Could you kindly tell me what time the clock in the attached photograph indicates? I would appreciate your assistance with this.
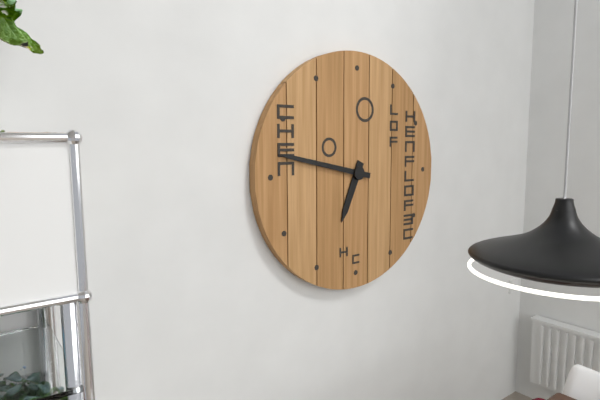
6:47
